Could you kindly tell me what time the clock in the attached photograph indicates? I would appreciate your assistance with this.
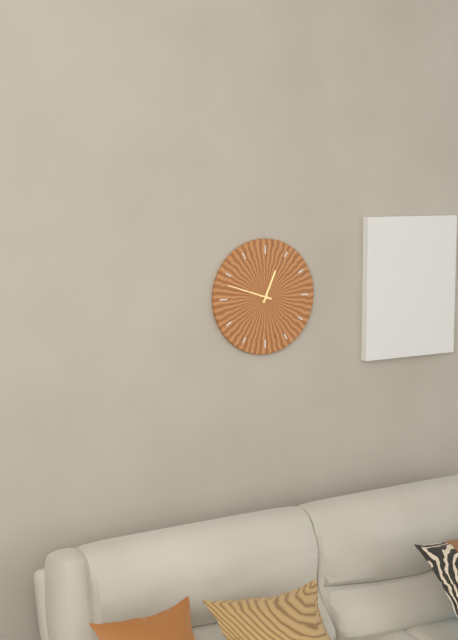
12:48
